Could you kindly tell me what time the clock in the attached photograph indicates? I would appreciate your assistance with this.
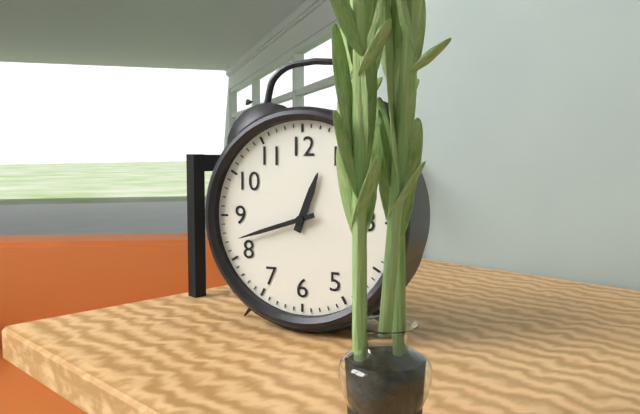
12:42
